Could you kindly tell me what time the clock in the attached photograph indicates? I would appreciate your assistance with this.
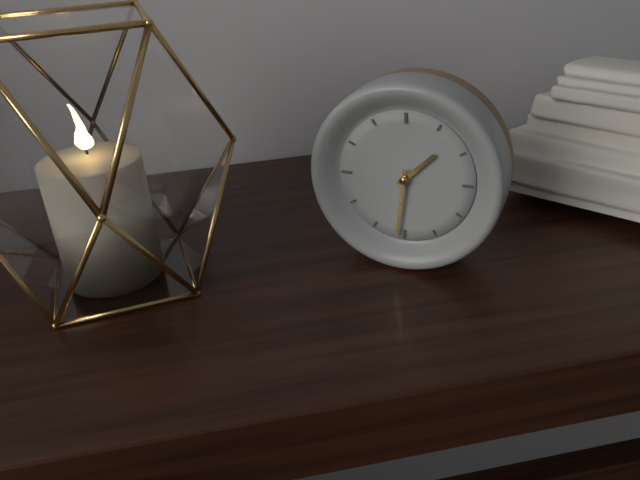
1:31
